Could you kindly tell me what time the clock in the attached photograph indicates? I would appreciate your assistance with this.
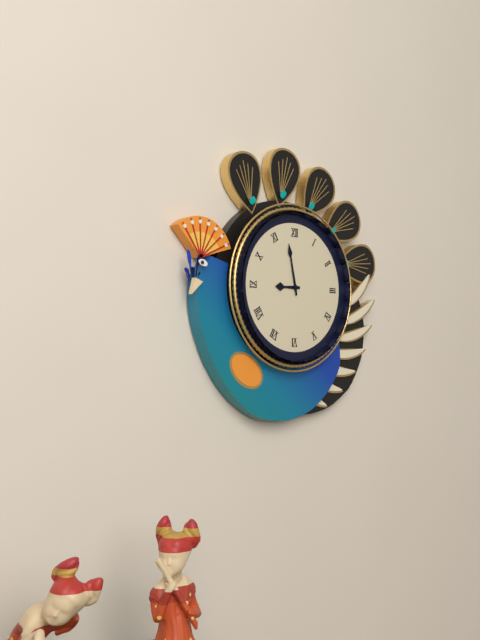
8:58
